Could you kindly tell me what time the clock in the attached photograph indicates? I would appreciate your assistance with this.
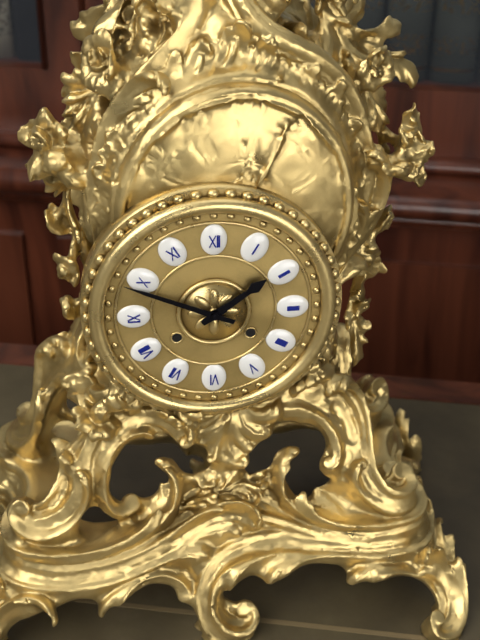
1:49
